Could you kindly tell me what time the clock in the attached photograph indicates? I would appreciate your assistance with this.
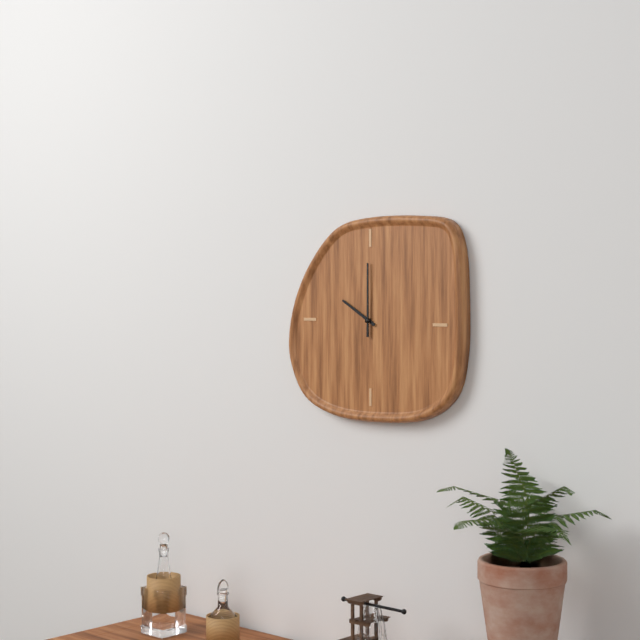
10:00
